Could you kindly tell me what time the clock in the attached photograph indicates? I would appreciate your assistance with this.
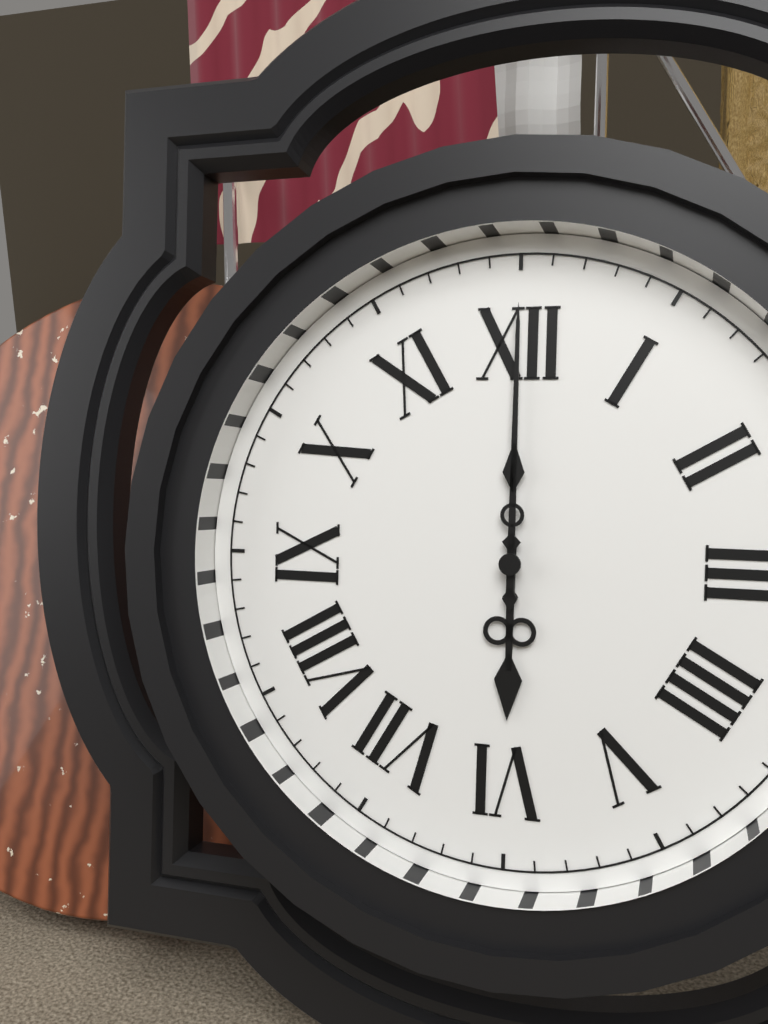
6:00
